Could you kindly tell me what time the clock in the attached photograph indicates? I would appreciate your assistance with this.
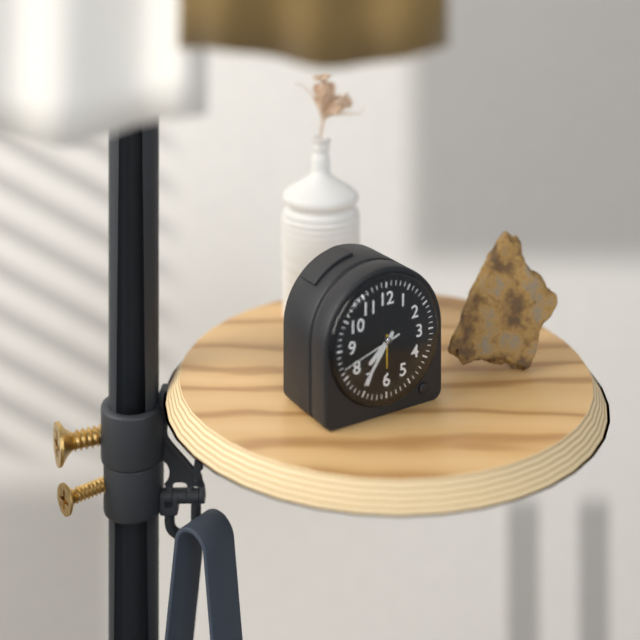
7:36:42
